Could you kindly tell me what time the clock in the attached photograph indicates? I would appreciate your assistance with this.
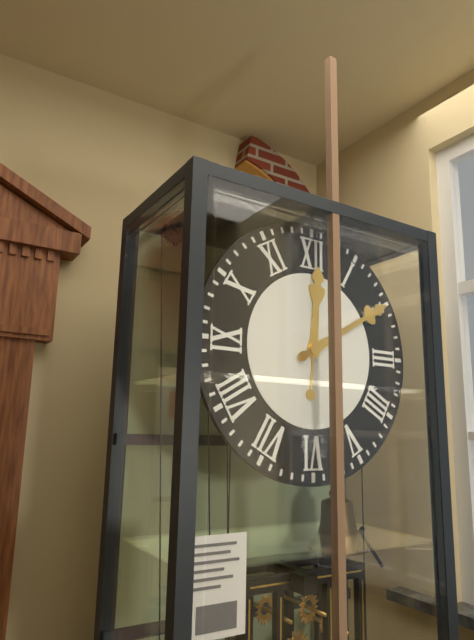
12:10
